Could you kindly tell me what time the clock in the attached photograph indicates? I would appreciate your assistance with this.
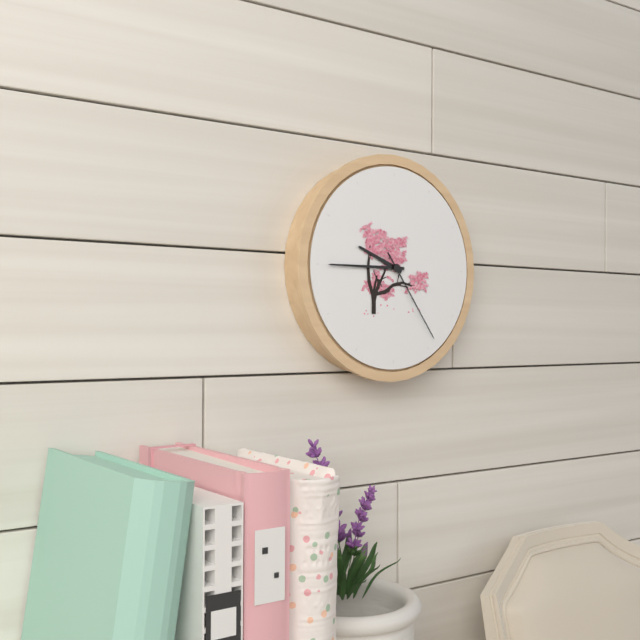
9:45:24
